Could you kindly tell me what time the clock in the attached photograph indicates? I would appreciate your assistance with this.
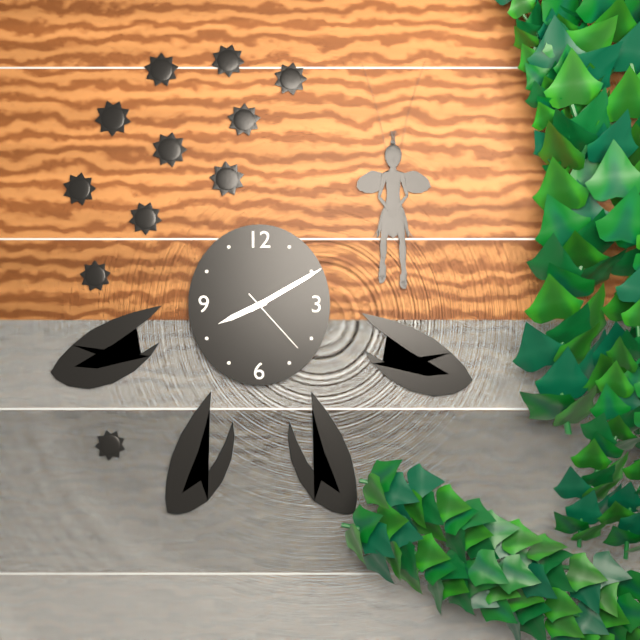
8:10:23
